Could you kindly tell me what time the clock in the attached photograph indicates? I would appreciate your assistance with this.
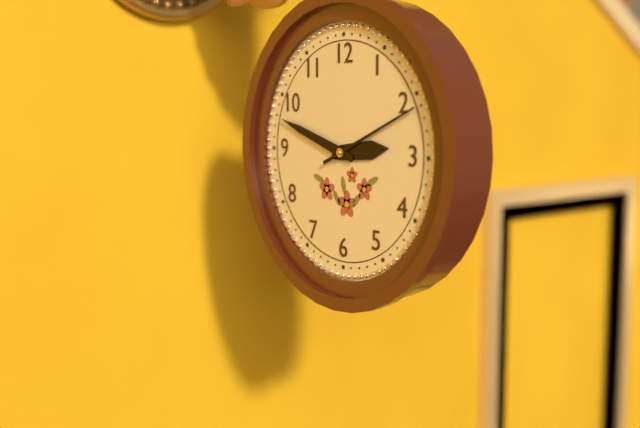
2:48:11
